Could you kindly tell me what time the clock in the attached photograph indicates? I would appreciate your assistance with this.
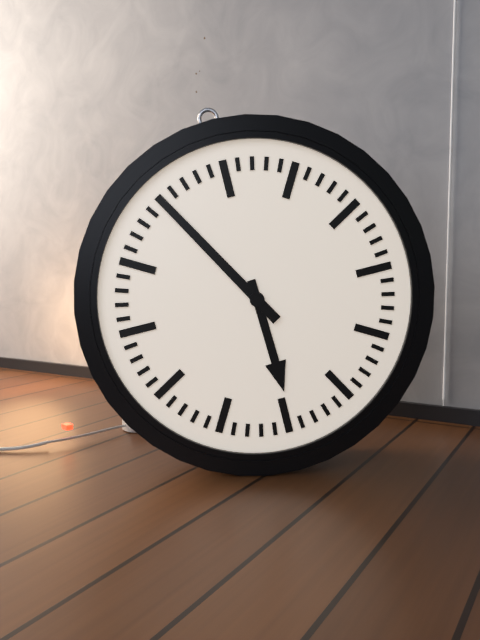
5:55
